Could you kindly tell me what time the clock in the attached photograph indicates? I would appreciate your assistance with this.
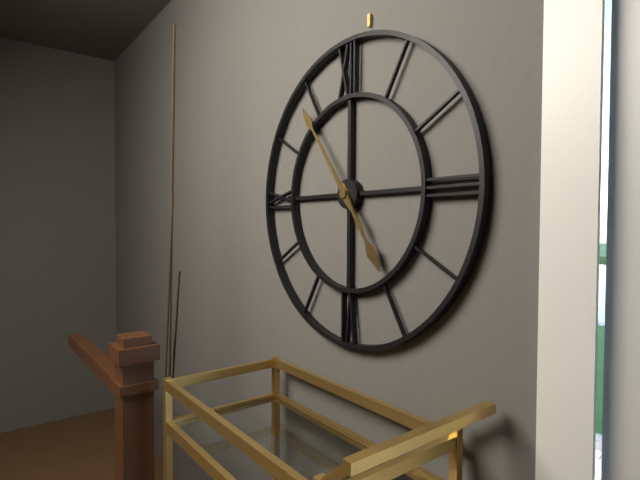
4:54
